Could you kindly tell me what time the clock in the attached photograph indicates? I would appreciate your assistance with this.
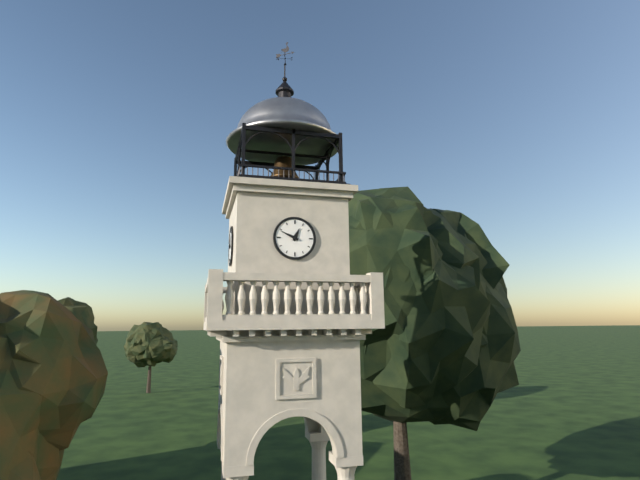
12:49
